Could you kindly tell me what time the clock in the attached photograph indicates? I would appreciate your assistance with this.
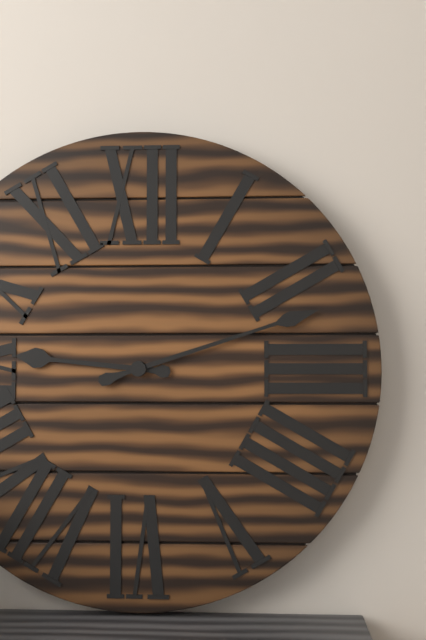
9:12
